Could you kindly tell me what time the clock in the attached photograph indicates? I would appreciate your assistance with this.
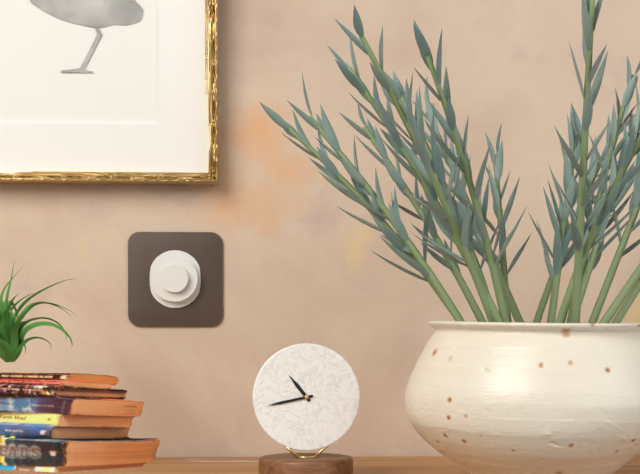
10:43
